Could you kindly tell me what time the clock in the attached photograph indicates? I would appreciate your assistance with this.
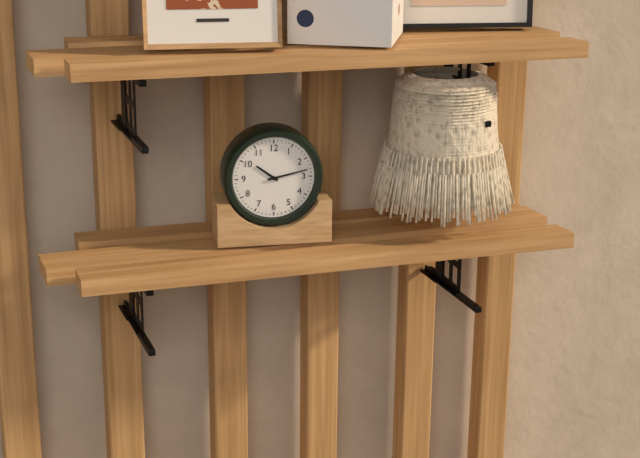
10:13
